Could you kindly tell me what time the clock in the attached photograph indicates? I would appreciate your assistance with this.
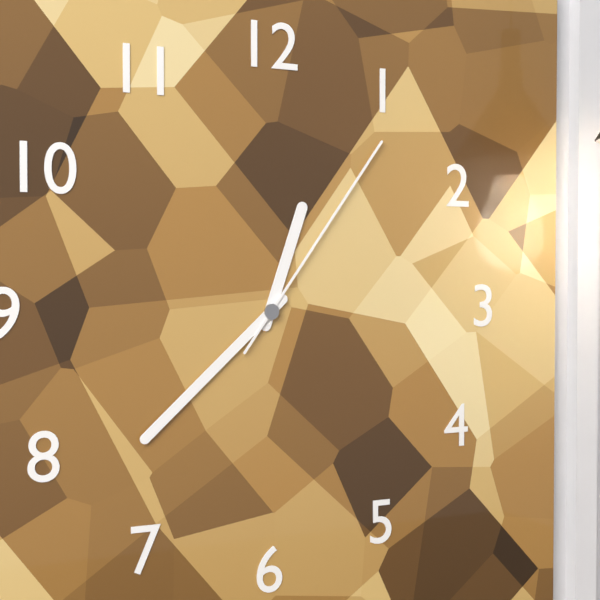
12:38:06
